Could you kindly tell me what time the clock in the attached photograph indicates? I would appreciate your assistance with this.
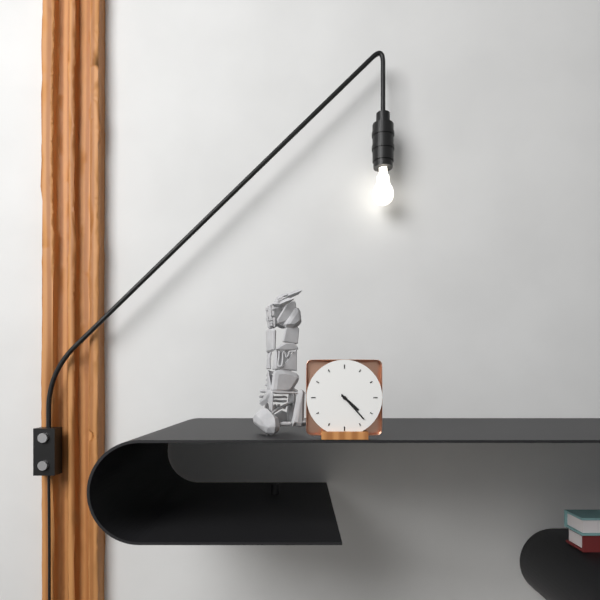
4:23
